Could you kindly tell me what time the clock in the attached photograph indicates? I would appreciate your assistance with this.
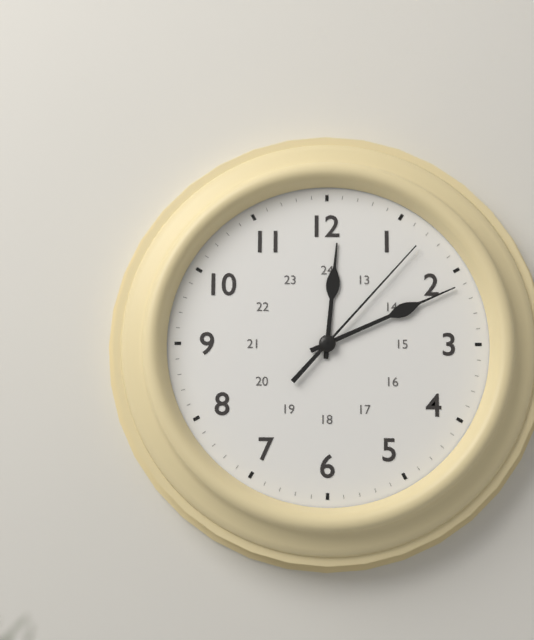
12:11:07
